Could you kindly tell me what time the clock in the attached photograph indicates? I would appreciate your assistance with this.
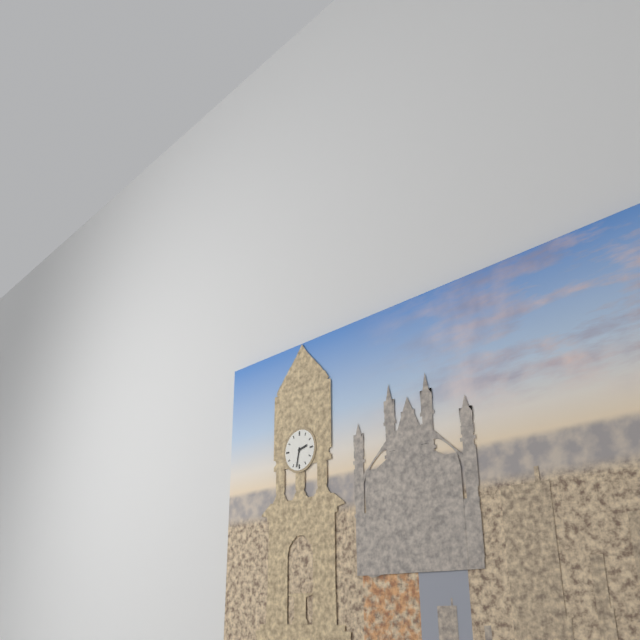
2:32
